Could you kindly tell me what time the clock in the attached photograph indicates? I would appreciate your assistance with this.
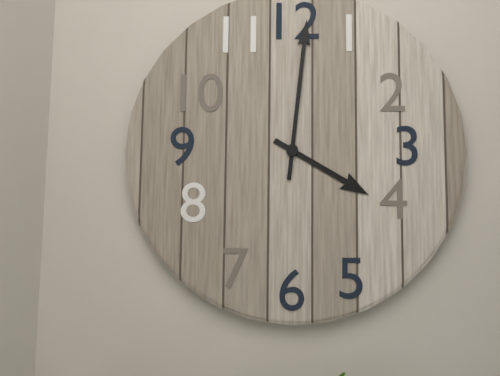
4:01
